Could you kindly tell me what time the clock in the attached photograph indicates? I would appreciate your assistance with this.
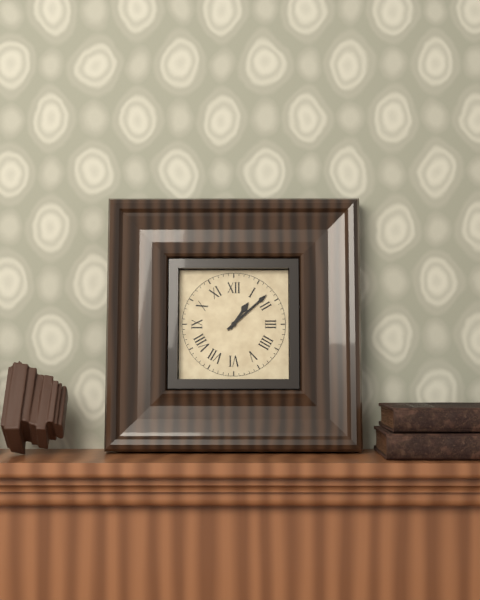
1:08
